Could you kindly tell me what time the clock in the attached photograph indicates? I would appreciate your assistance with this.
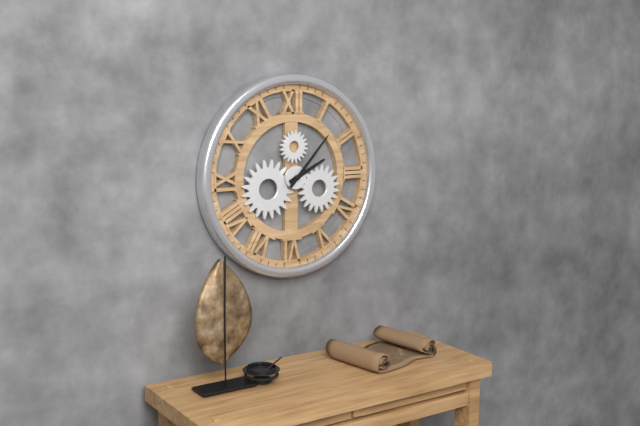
2:07
